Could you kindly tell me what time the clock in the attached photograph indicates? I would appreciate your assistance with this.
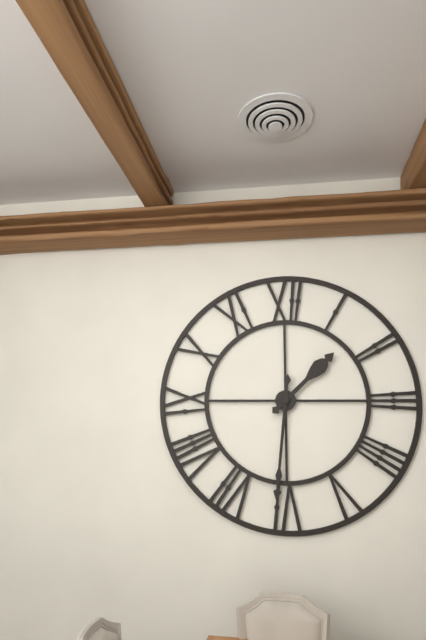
1:31
